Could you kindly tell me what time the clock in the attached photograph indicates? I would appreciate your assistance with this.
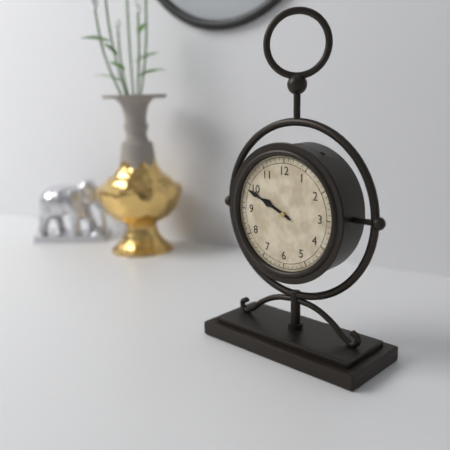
9:49
